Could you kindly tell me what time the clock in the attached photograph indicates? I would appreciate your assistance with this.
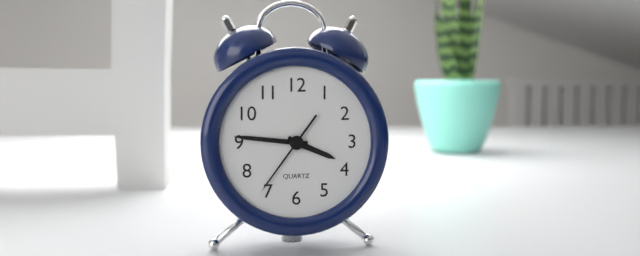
3:46:36
